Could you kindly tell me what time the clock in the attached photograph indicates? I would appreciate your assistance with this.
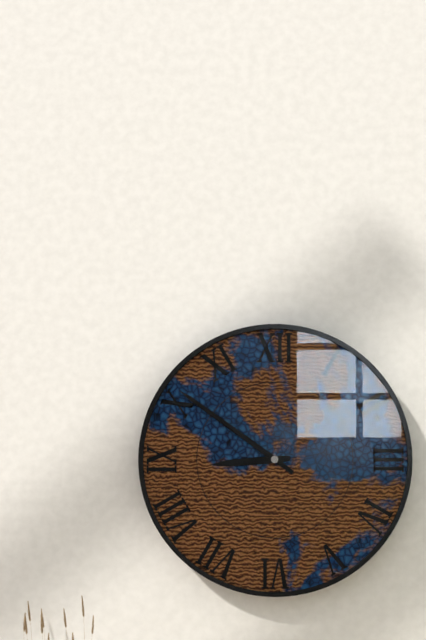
8:51
